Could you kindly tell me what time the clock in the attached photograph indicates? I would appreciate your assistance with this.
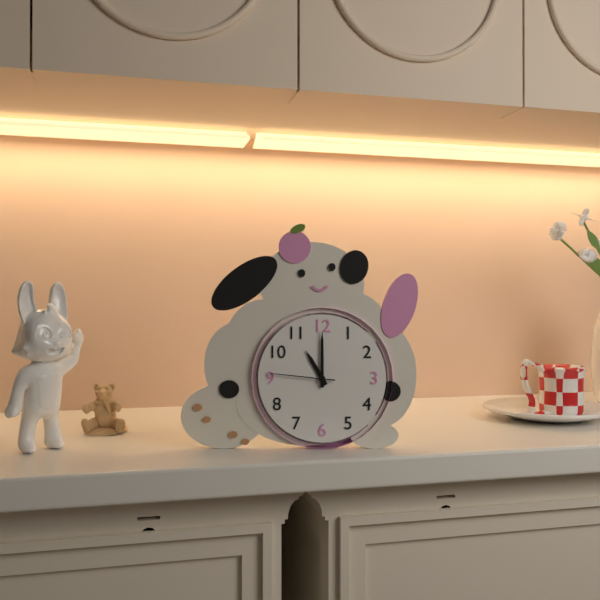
11:00:46
